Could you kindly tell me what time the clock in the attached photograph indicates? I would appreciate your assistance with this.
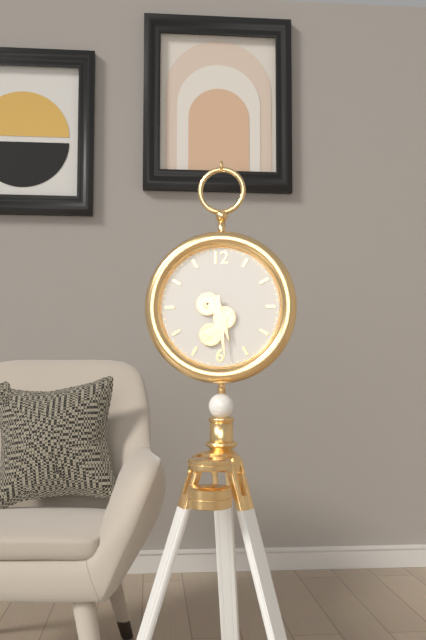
5:29
